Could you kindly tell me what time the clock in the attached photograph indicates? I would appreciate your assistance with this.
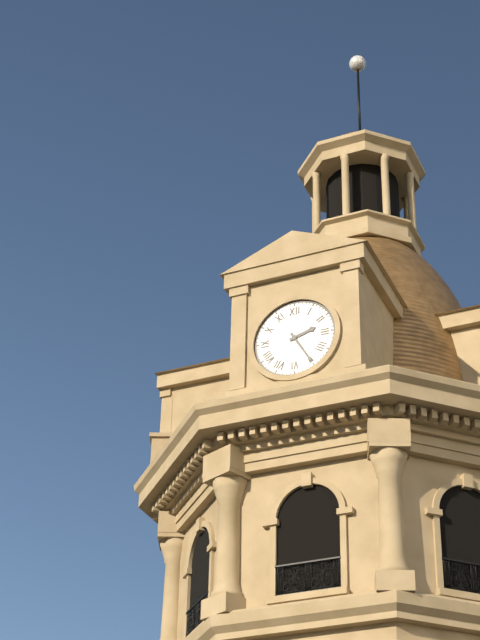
2:25
